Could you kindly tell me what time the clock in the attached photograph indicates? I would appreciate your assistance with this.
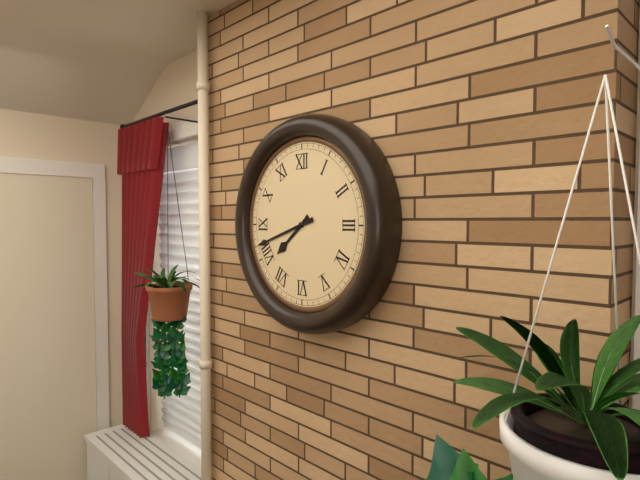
7:42
